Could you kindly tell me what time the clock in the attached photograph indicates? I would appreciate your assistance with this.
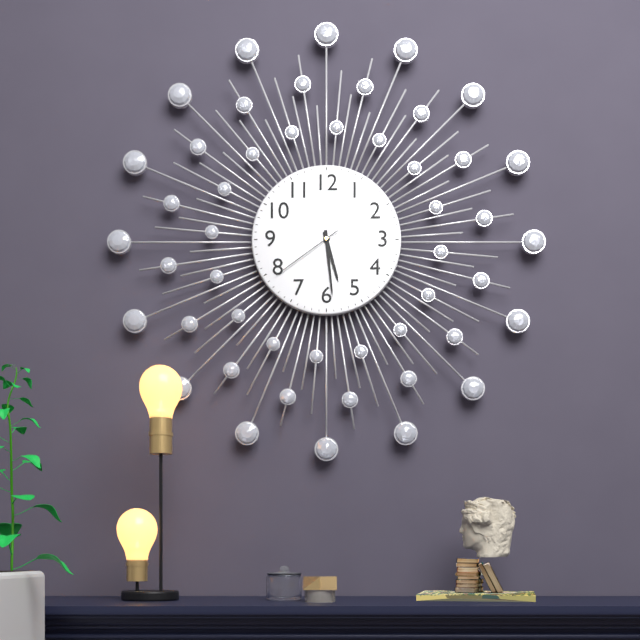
5:29:39
